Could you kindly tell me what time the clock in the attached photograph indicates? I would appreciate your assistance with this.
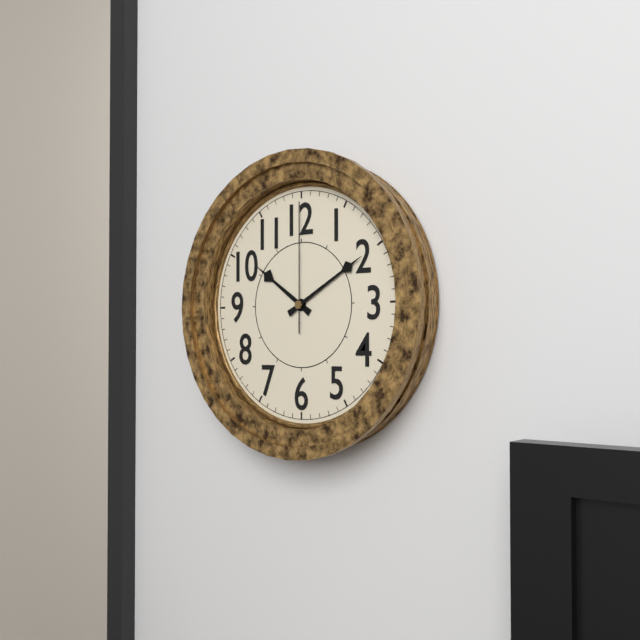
10:10:00
